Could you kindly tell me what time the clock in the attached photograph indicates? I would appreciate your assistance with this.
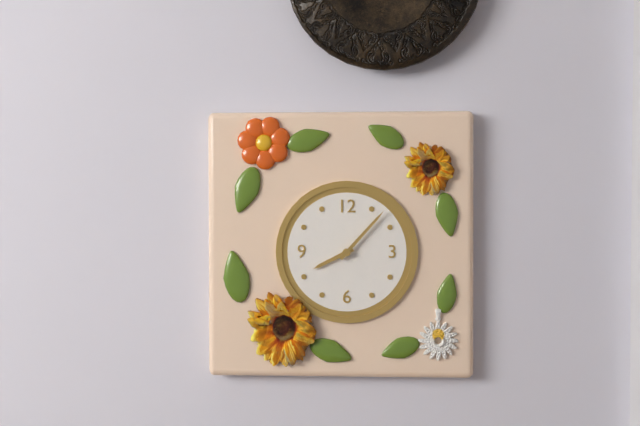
8:07
